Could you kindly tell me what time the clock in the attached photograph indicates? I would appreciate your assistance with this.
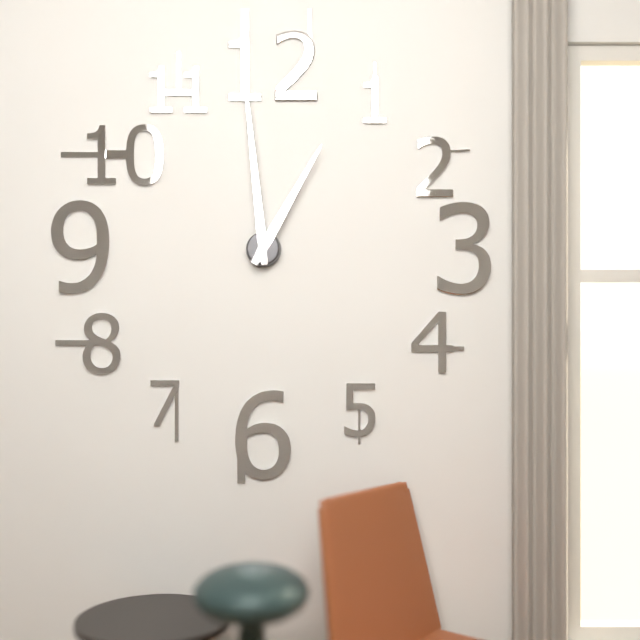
12:59
